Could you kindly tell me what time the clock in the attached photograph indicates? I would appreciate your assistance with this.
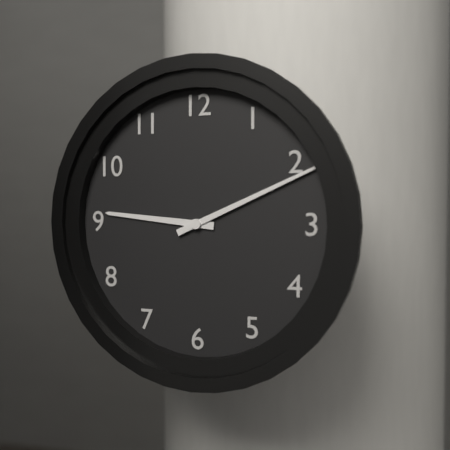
9:11
